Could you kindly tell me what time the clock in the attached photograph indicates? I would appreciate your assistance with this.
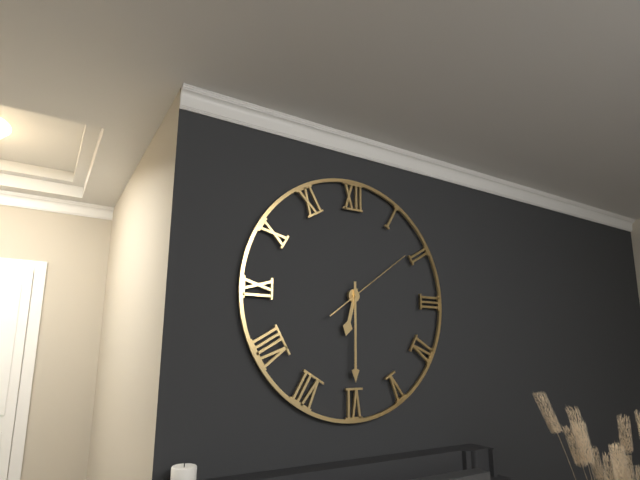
6:30:09
